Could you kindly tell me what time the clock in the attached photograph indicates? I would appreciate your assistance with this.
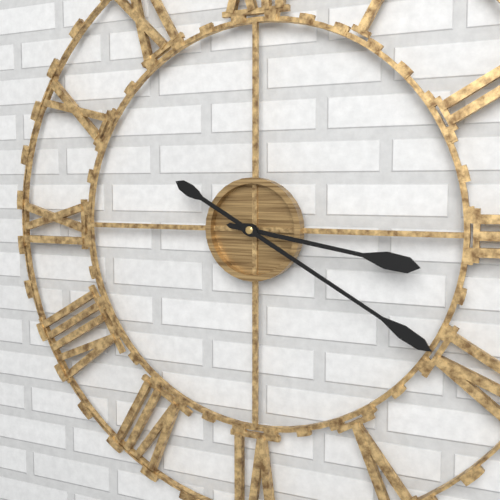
3:20
